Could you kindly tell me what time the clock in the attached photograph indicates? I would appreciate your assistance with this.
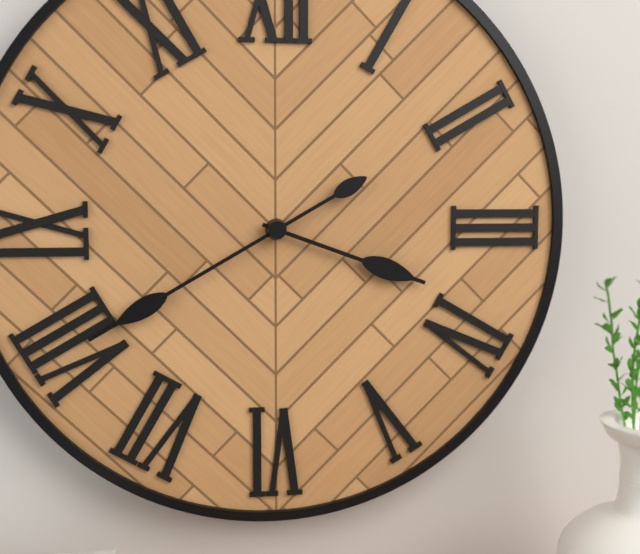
3:40
